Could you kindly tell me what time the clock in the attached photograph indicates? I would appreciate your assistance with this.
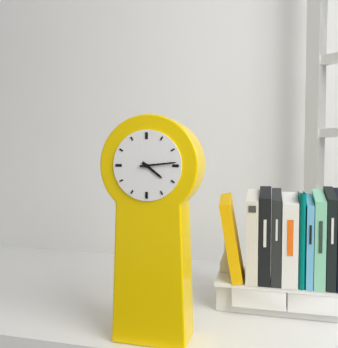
4:14
